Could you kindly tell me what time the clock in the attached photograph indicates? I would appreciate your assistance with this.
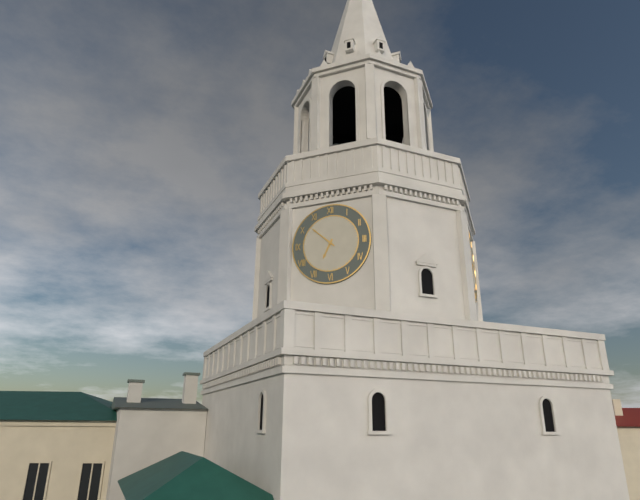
6:52
